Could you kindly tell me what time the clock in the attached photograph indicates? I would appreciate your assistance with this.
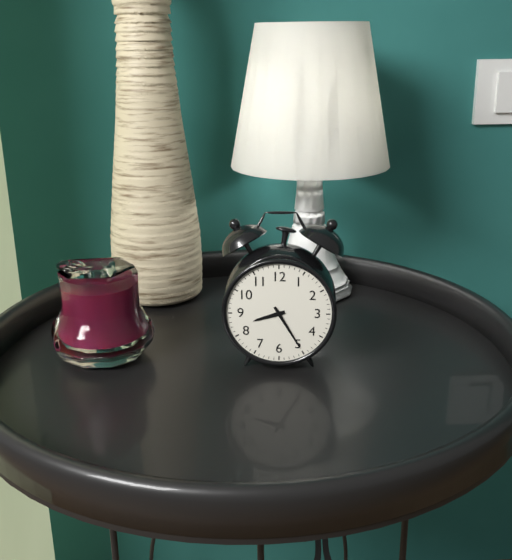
8:25
